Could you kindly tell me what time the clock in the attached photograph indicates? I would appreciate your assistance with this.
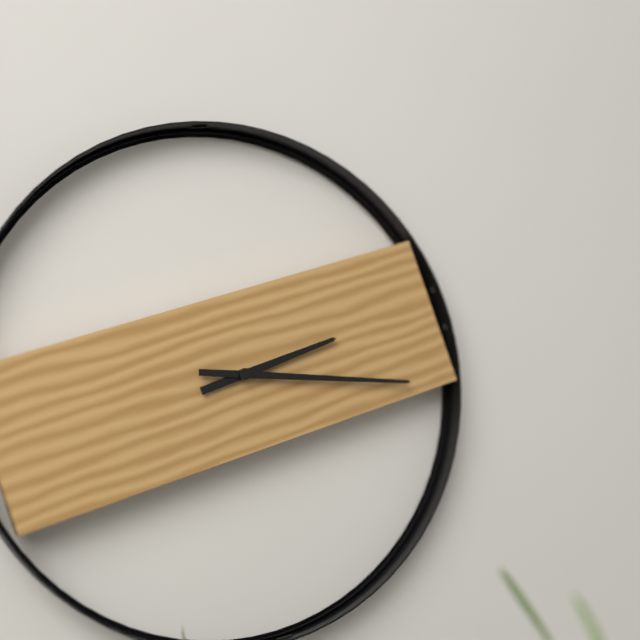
2:15
